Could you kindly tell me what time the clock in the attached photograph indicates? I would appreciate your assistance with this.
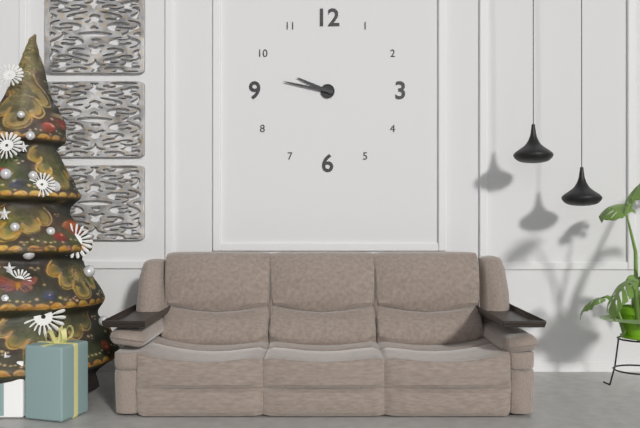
9:47
